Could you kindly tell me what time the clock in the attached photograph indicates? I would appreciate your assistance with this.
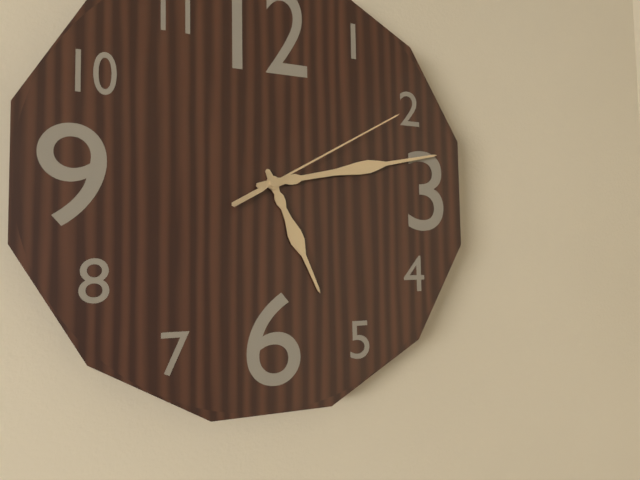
5:13:10
